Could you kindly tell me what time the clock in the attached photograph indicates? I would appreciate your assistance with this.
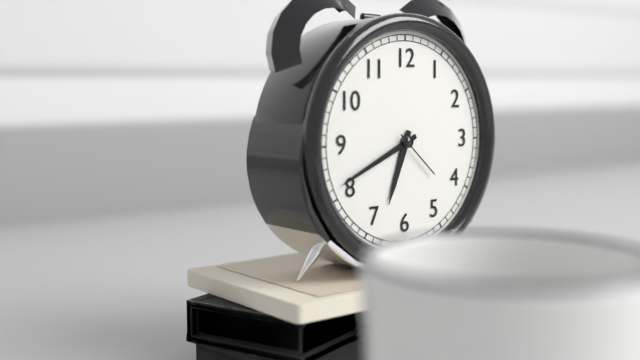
6:41:22
